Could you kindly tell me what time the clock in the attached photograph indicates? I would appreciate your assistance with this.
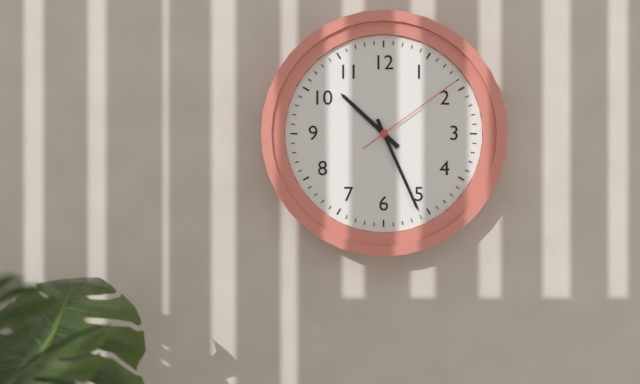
10:26:09
